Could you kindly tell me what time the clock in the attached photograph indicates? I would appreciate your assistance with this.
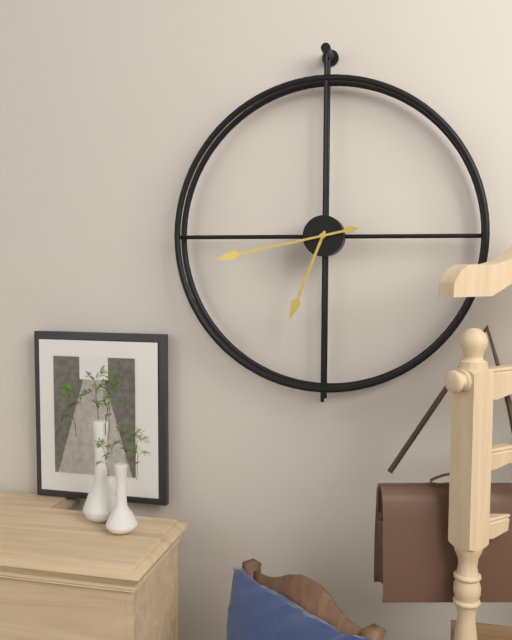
6:43
